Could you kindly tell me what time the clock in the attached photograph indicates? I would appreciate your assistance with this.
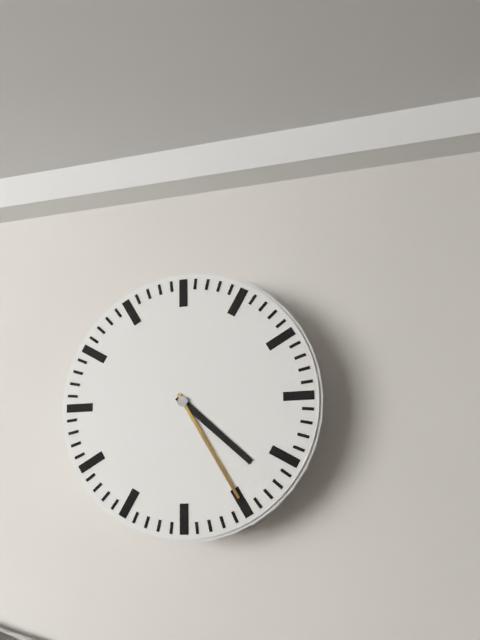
4:25
